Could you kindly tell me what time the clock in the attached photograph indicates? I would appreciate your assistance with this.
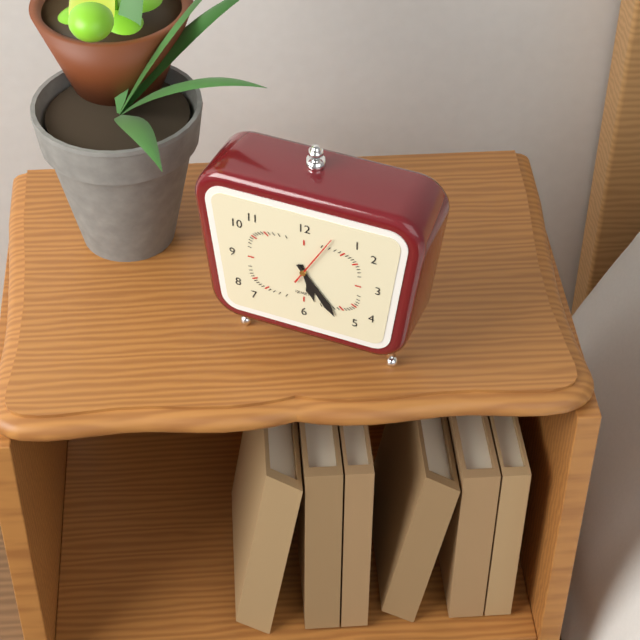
5:24:05
